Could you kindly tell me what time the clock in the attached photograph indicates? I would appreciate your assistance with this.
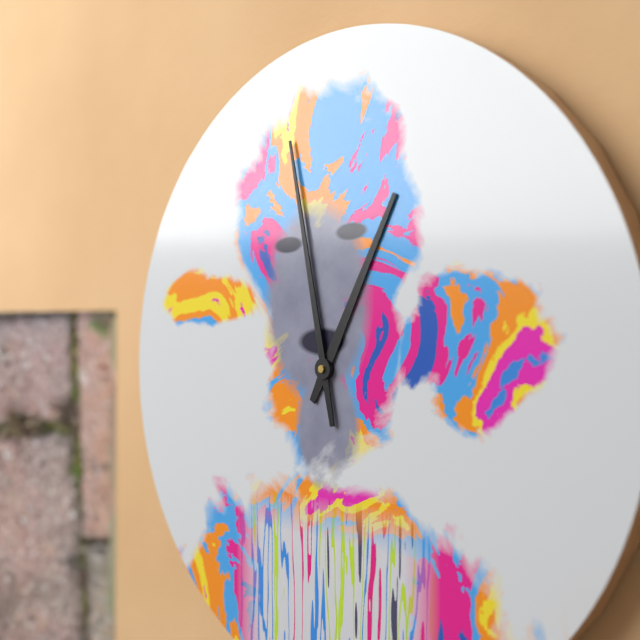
12:58
